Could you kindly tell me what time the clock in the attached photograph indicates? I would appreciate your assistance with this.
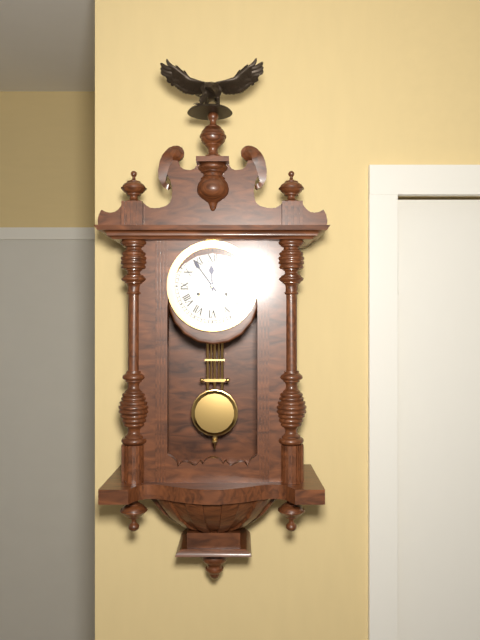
11:54
